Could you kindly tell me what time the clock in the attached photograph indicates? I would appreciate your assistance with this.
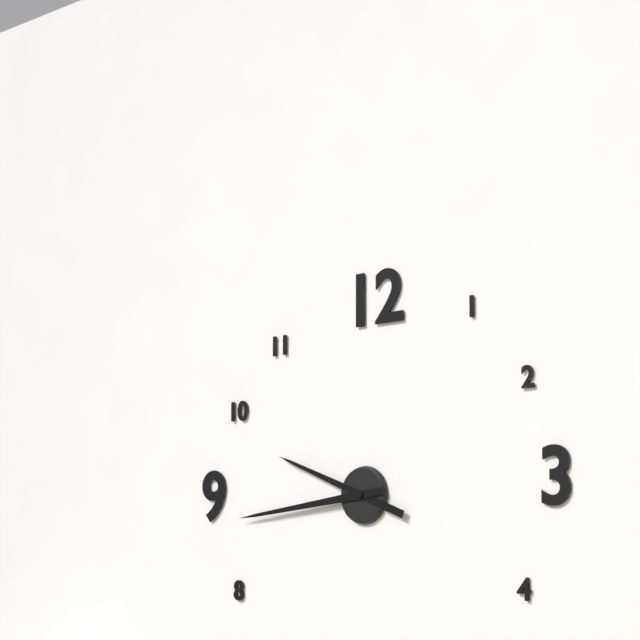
9:44
